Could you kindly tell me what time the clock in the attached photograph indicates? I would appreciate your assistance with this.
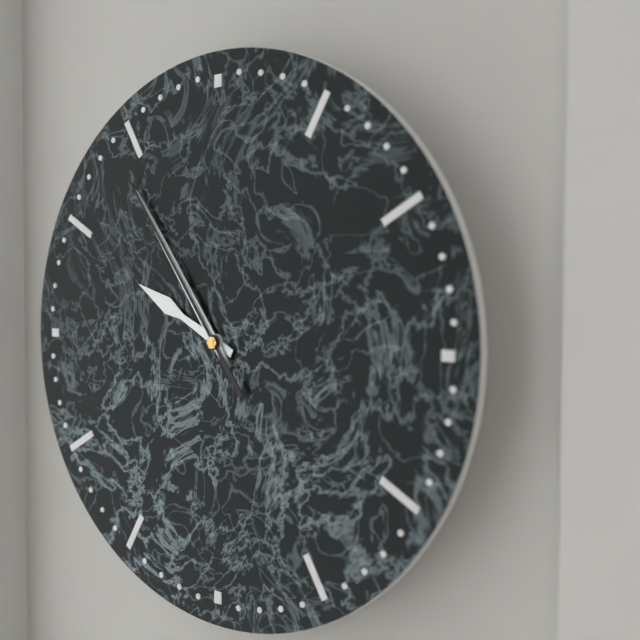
9:54:54
